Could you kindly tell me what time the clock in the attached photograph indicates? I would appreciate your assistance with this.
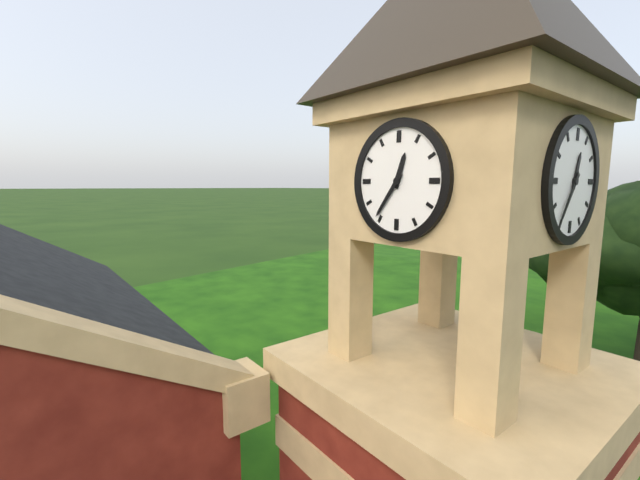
12:36
